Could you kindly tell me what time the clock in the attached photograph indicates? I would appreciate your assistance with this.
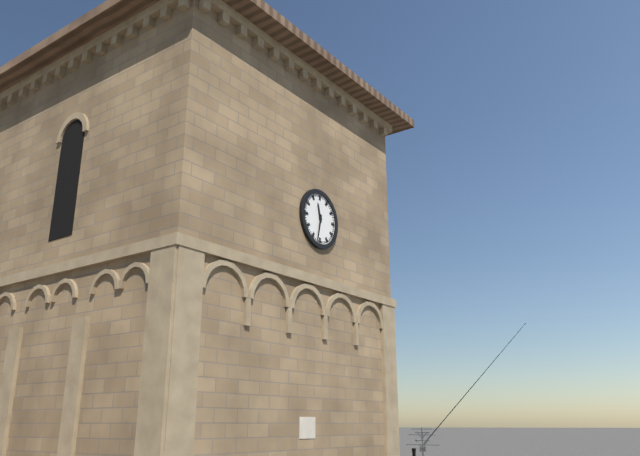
11:32
